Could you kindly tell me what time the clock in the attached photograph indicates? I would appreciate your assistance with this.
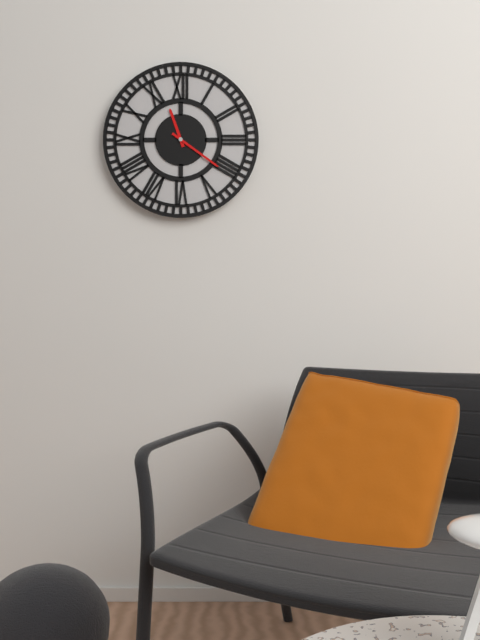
11:21
